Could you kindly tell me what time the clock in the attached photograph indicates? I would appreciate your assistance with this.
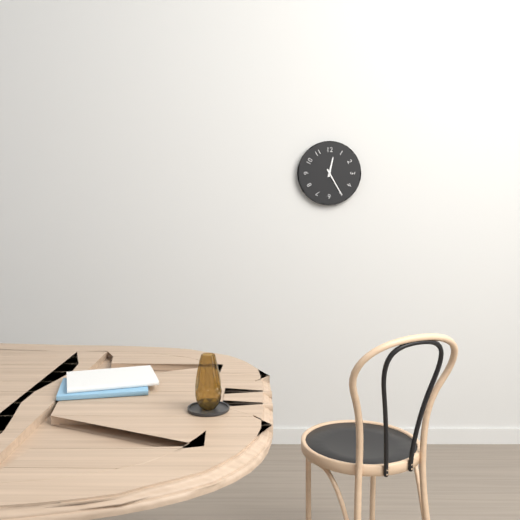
12:25
